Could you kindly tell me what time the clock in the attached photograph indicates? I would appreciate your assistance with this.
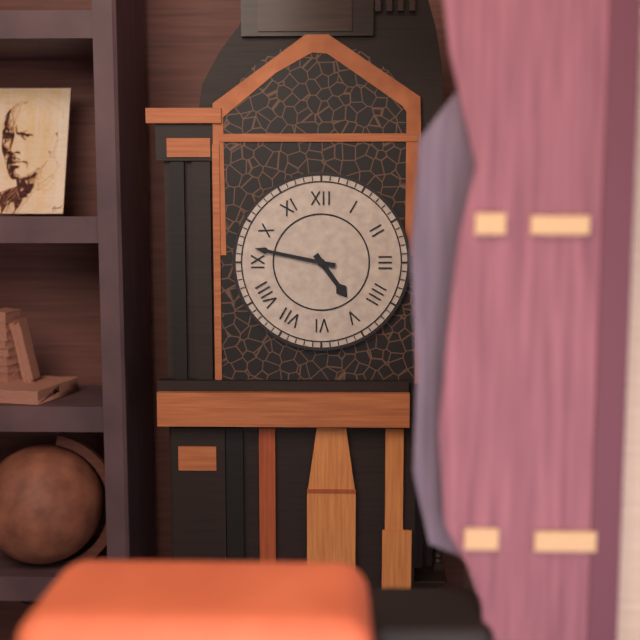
4:47
